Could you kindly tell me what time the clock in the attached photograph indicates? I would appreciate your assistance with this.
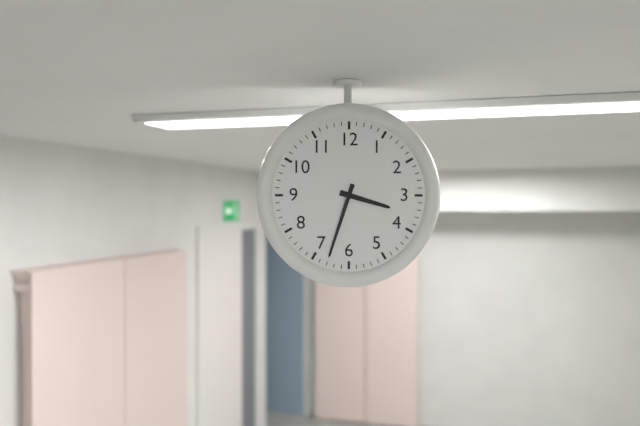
3:33
